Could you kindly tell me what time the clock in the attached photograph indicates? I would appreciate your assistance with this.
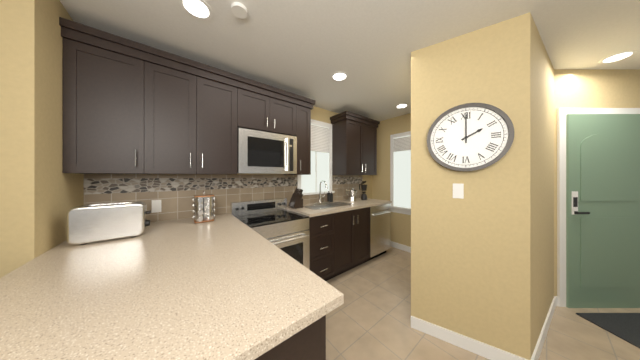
2:00
